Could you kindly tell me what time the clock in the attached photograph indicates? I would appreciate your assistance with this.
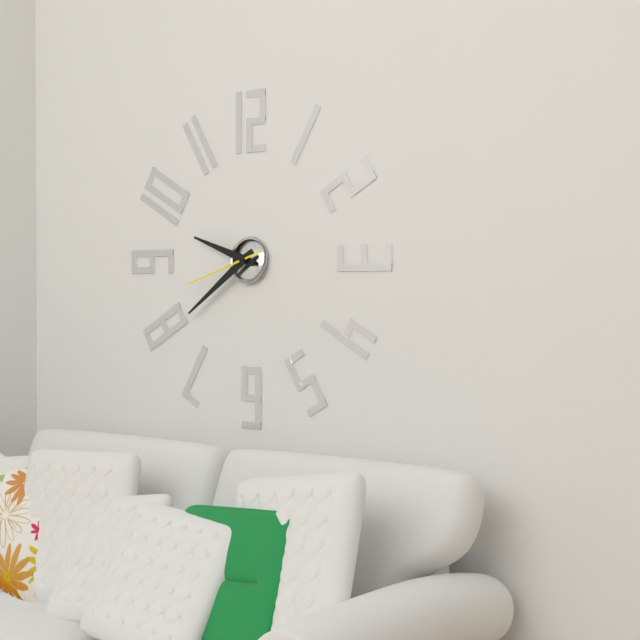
9:39:42
